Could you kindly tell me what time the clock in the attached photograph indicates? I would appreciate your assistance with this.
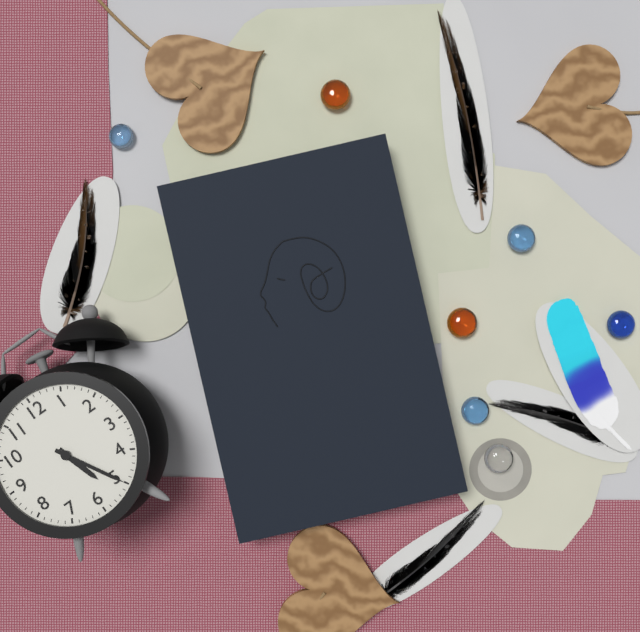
5:25
